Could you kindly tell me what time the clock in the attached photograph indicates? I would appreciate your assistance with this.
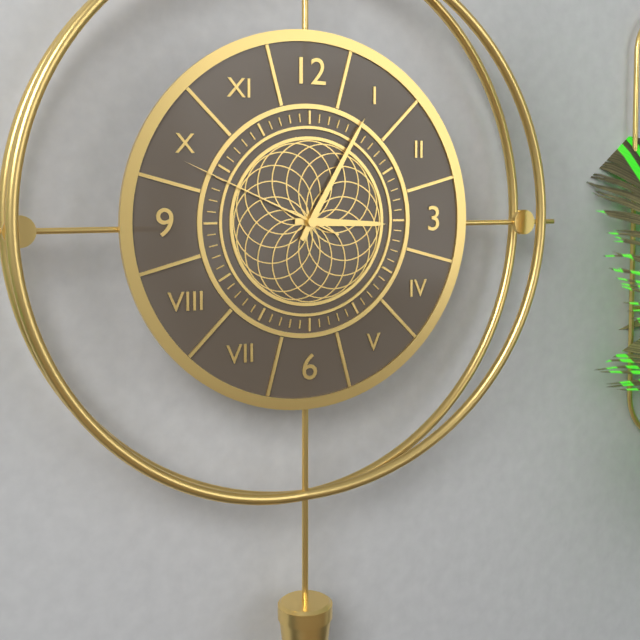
3:05:49
